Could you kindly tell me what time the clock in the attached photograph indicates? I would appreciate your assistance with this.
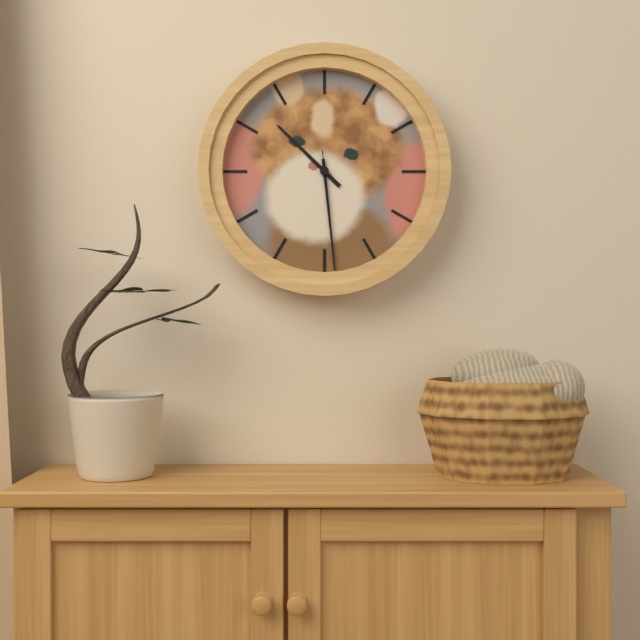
10:29:29
